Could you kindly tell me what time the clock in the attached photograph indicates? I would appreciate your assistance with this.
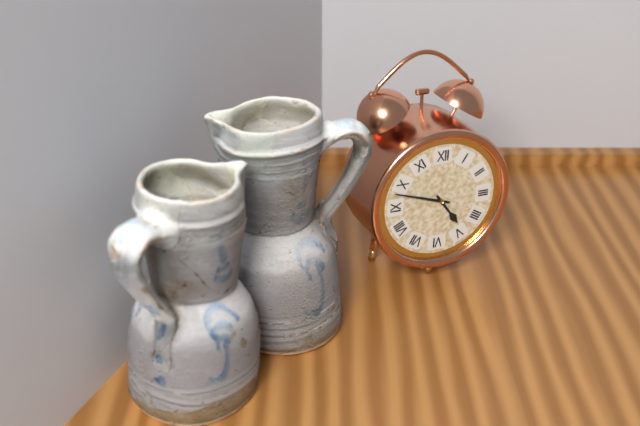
4:48
